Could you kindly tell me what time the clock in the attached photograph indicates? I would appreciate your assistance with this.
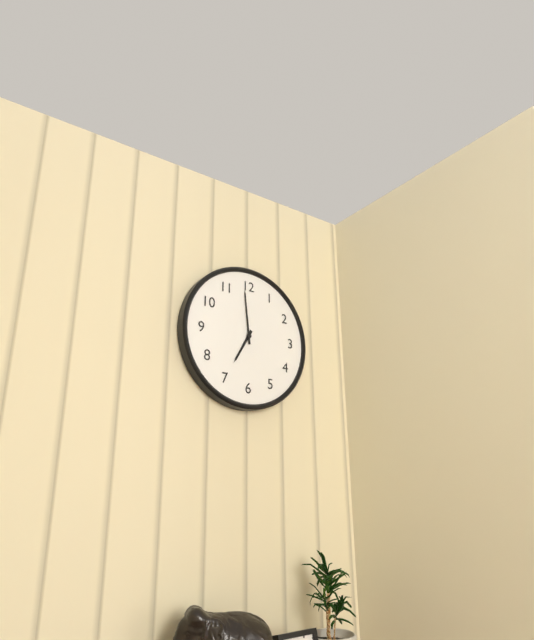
6:59
